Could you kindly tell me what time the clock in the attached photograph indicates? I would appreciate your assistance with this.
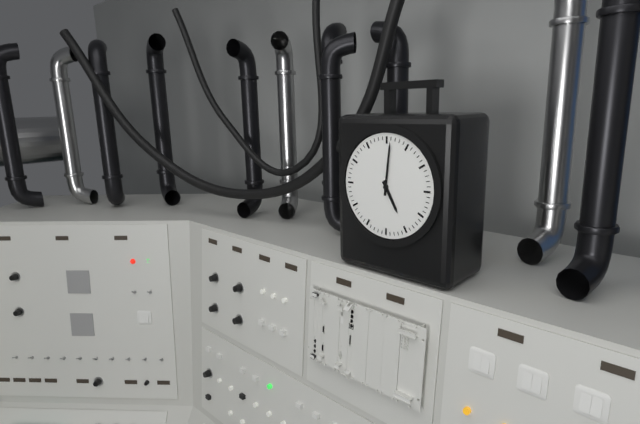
5:01
